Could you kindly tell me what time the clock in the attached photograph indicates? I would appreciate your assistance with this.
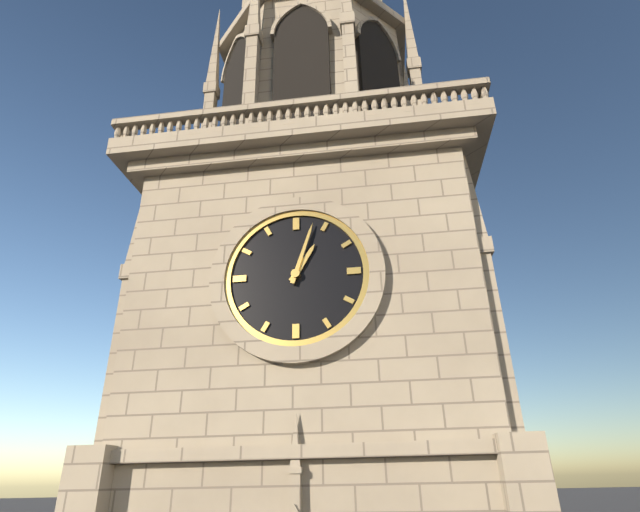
1:03
